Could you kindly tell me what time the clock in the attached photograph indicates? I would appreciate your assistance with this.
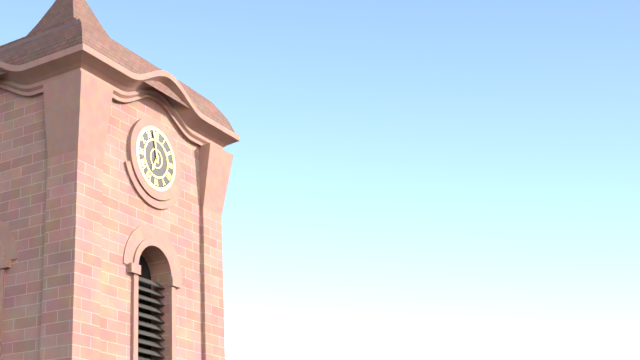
6:58
